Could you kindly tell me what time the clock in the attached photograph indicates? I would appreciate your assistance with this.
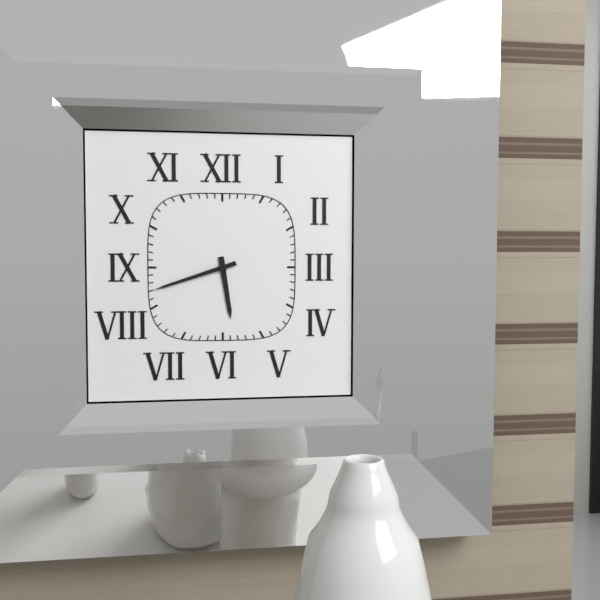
5:42
